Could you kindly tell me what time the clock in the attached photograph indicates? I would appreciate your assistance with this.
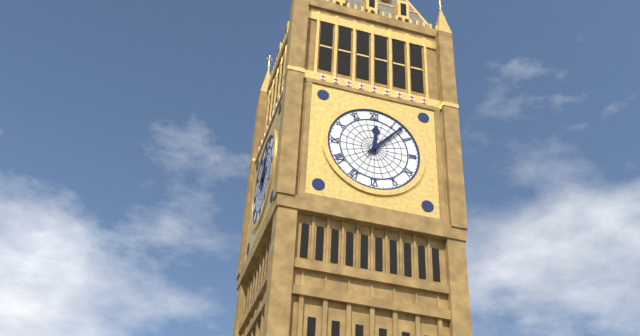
12:07
